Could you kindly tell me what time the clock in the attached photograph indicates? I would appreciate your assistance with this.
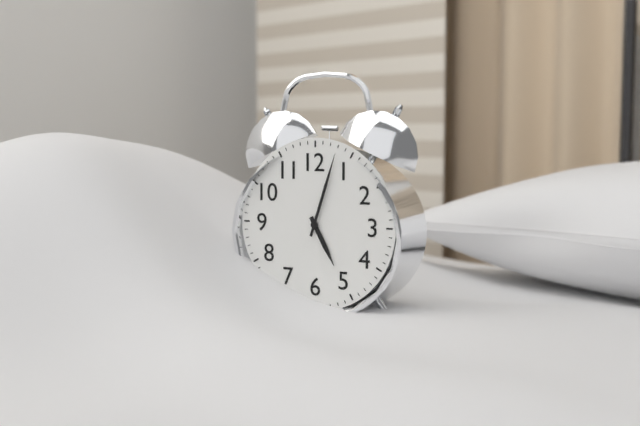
5:03
